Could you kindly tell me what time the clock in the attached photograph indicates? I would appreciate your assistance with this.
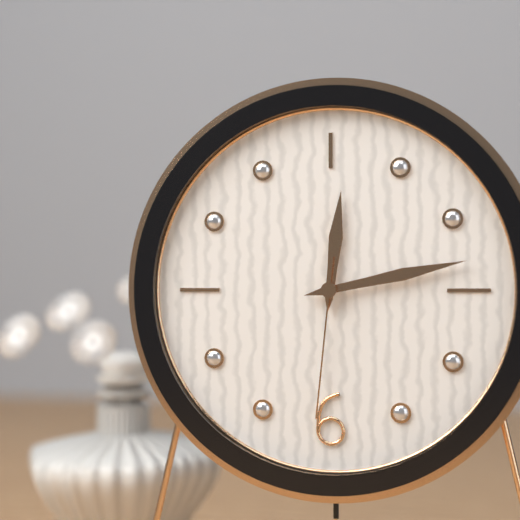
12:13:31
